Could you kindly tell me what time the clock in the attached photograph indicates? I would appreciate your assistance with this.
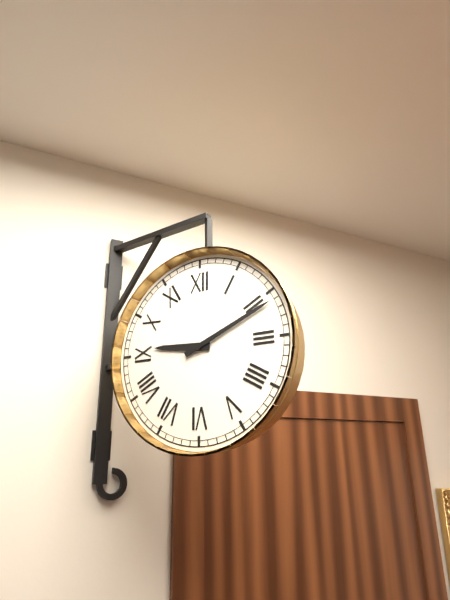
9:11
